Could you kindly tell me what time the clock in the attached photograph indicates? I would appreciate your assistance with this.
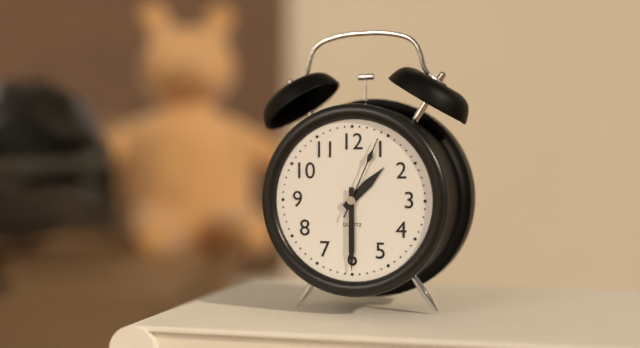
1:30:04
